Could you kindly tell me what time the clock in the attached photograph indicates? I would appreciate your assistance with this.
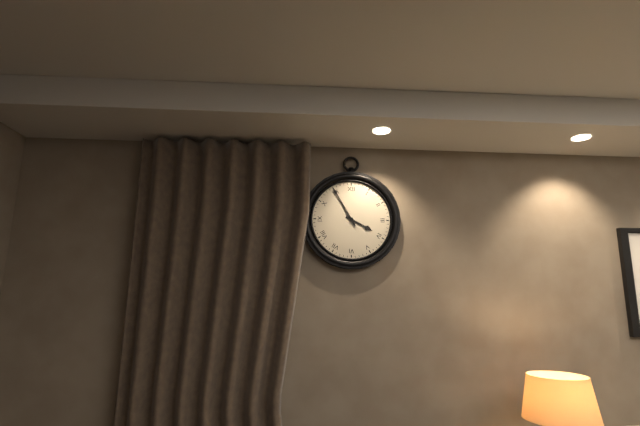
3:55
